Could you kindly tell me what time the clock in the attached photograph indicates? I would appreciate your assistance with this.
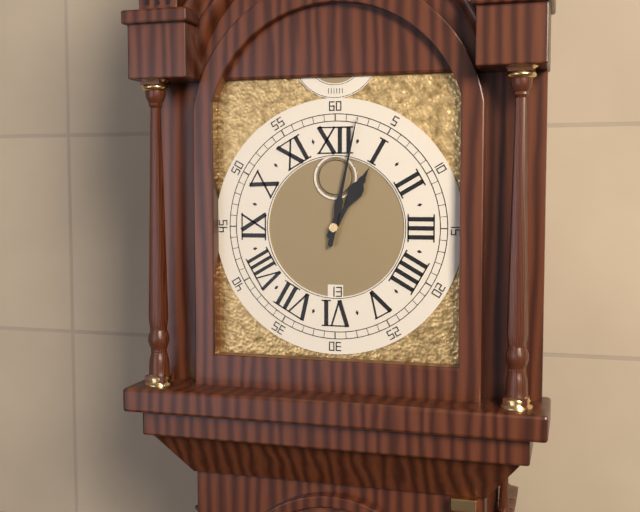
1:02
